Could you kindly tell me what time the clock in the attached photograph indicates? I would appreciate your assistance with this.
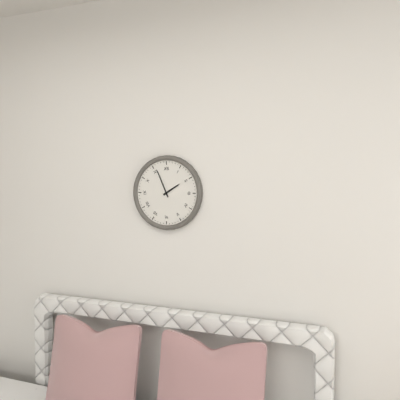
1:56
